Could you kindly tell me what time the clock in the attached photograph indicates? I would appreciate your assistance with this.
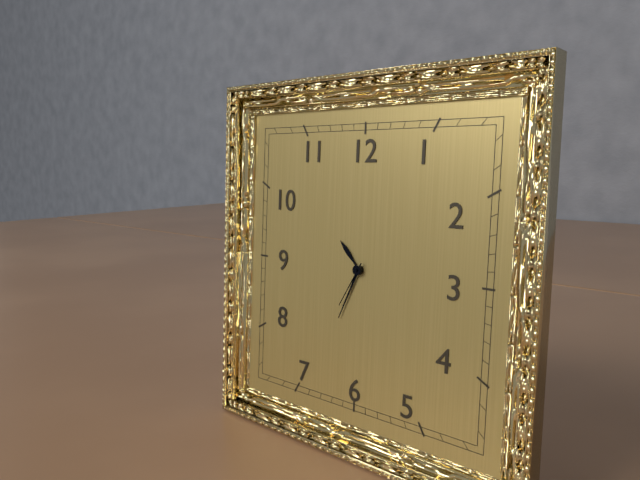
10:34
